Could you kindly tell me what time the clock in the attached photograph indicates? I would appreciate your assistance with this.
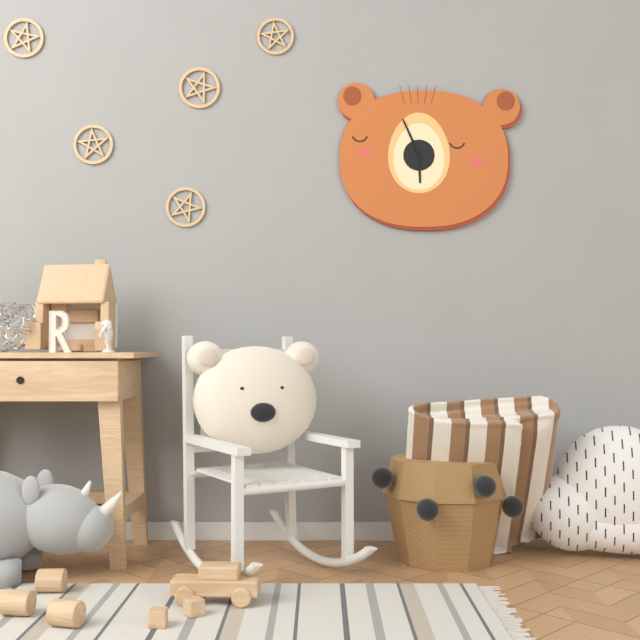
5:56
